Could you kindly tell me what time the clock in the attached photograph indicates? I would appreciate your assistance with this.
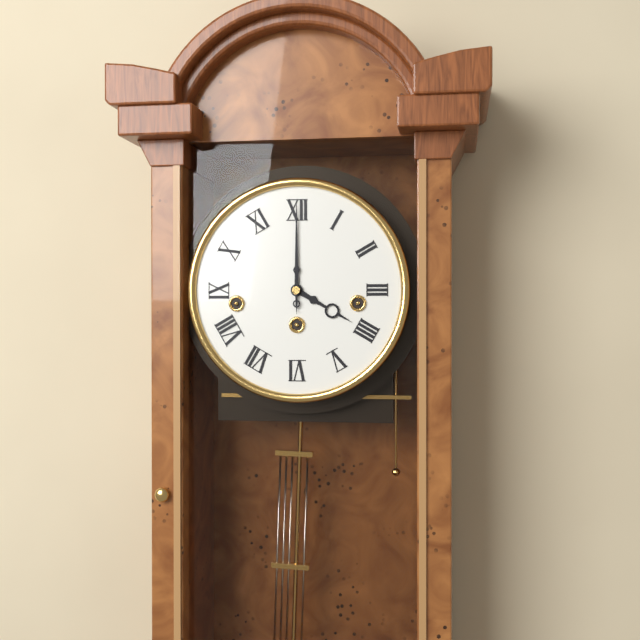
4:00
